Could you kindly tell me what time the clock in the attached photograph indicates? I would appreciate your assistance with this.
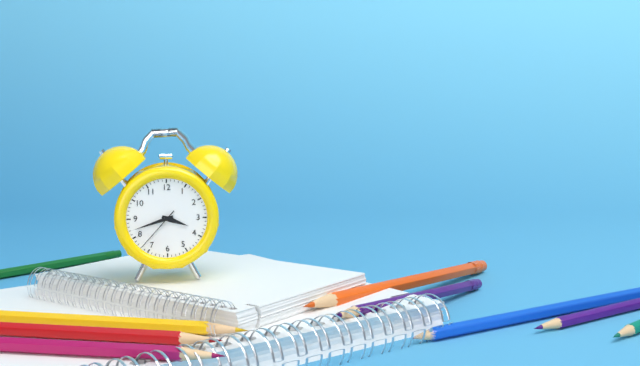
3:42
